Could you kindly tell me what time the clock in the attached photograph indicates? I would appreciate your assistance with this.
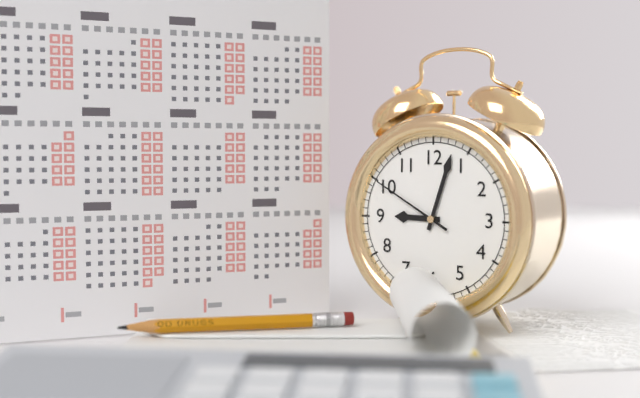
9:03:50
